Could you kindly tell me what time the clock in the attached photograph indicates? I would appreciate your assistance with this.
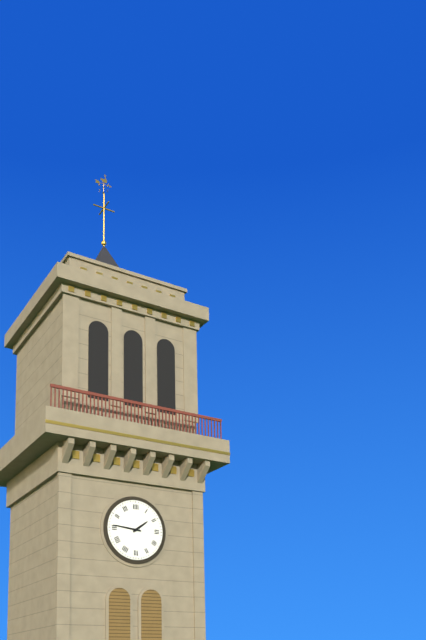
1:46
